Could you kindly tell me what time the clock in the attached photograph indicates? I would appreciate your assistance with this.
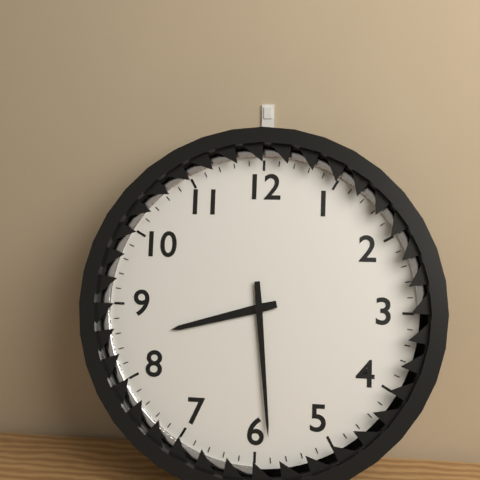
8:29
